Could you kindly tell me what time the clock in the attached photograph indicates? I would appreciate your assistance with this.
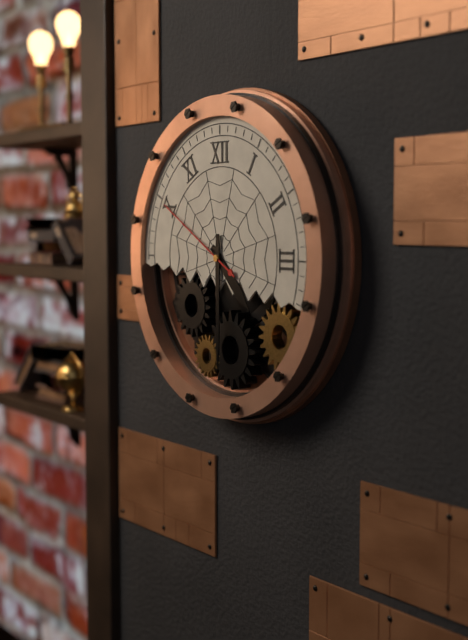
4:30:50
